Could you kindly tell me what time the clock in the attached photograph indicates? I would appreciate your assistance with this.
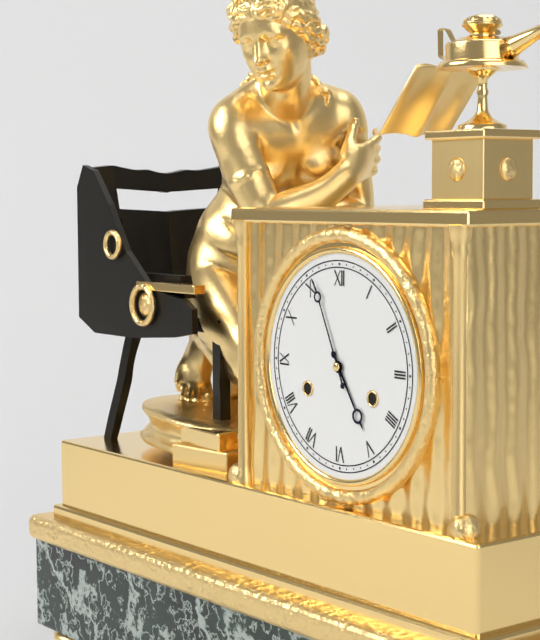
4:56
